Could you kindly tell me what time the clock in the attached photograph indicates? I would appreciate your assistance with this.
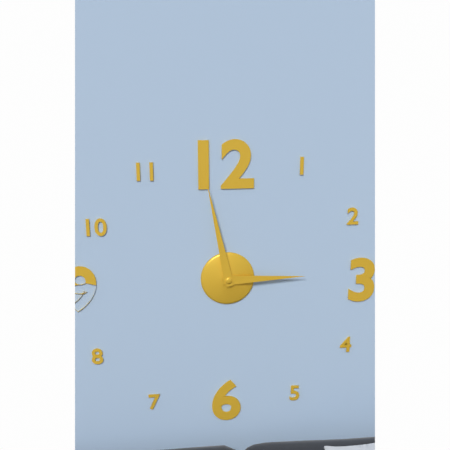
2:58
